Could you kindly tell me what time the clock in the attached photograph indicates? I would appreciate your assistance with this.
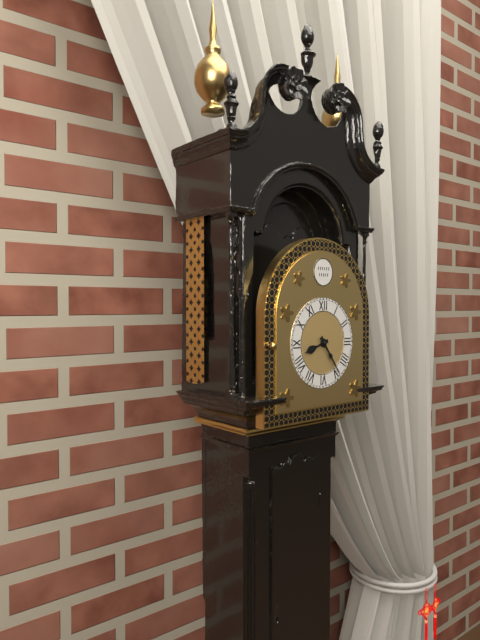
8:24
